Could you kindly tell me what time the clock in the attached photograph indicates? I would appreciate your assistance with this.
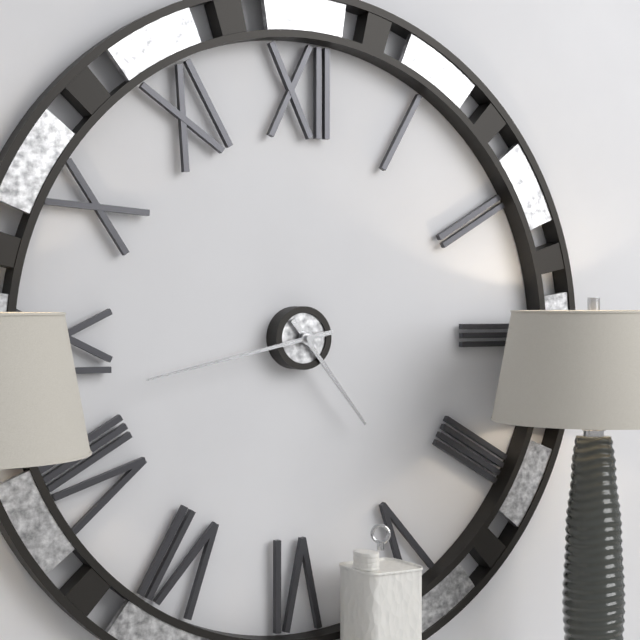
4:43
